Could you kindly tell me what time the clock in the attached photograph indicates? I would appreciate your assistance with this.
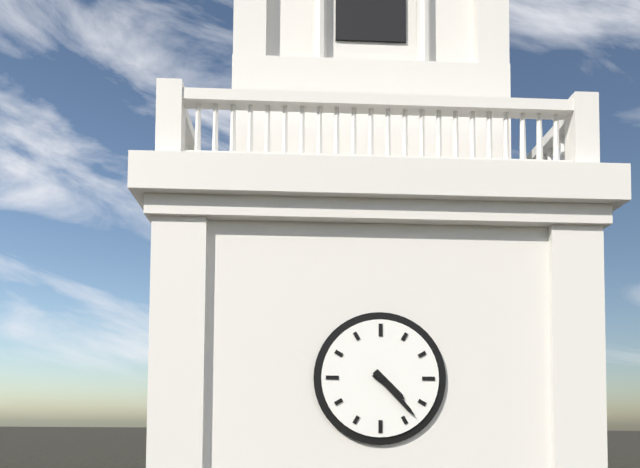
4:23
